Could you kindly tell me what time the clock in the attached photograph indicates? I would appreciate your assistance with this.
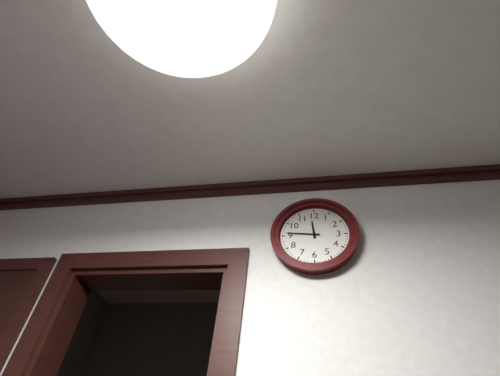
11:46
